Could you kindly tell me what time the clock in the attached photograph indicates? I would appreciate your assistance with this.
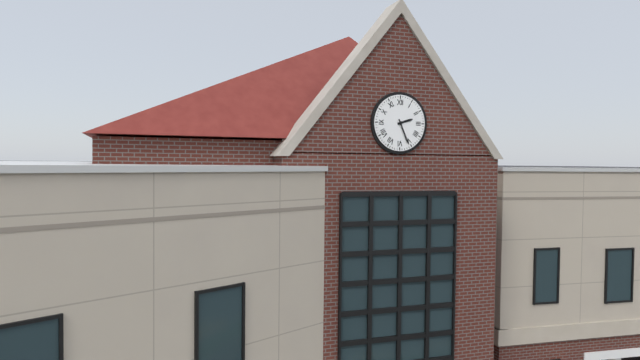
2:26
